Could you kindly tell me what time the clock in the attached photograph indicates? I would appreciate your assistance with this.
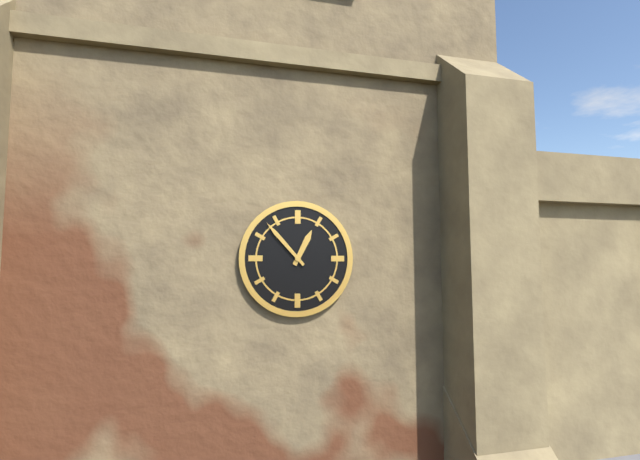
12:53
